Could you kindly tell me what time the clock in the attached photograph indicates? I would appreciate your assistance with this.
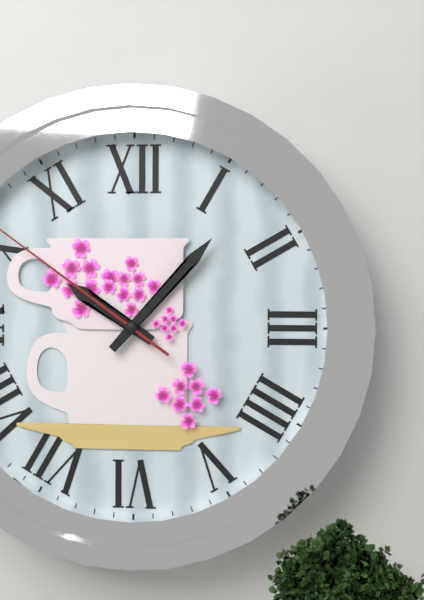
10:07
